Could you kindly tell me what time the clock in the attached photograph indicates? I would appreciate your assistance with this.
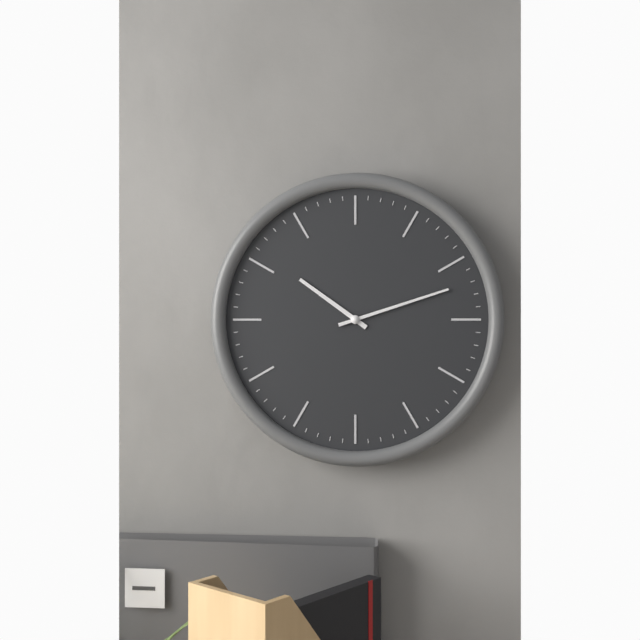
10:12
